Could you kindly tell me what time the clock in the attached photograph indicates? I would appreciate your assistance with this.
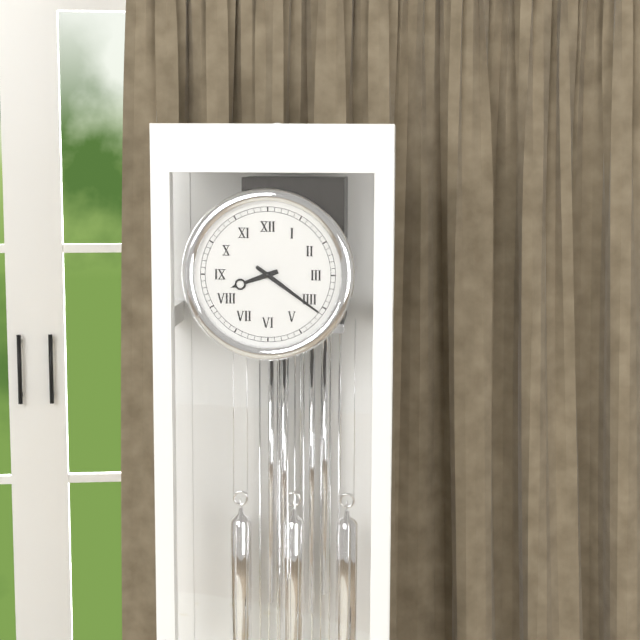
8:21
